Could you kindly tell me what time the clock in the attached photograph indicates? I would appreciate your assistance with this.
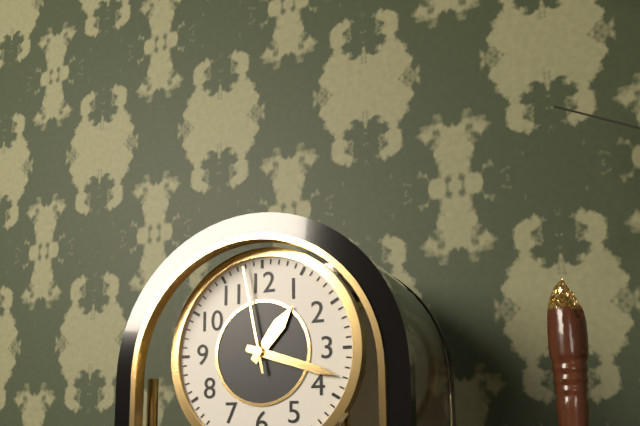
1:18:58
